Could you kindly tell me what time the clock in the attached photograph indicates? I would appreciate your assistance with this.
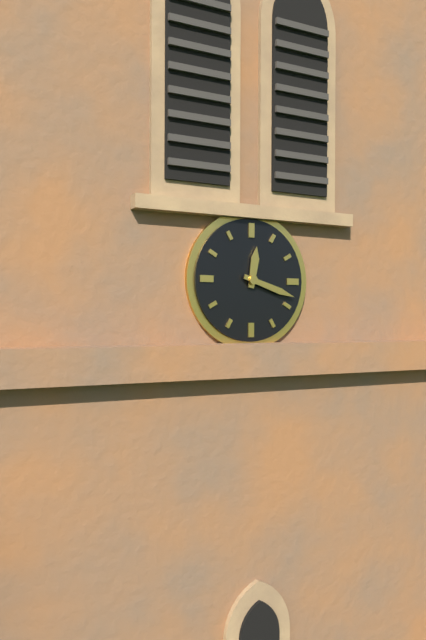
12:18
